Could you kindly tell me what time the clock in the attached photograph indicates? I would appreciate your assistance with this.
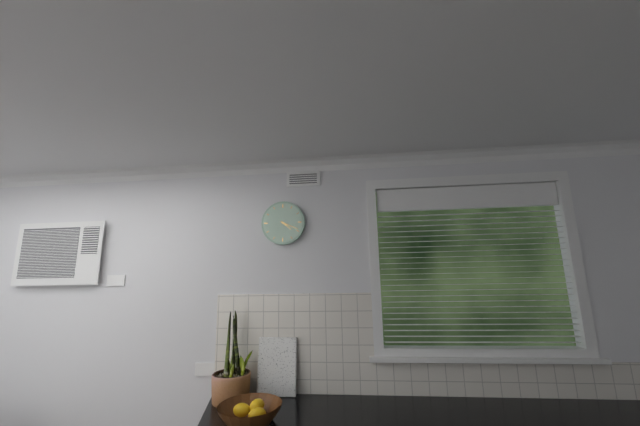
4:19
